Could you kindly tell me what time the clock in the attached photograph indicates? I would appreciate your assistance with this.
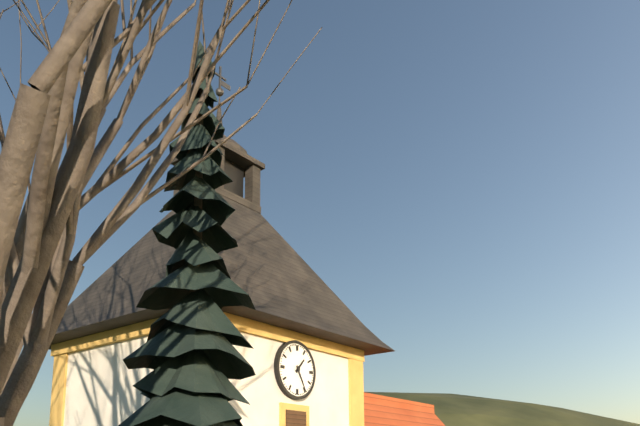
1:25
